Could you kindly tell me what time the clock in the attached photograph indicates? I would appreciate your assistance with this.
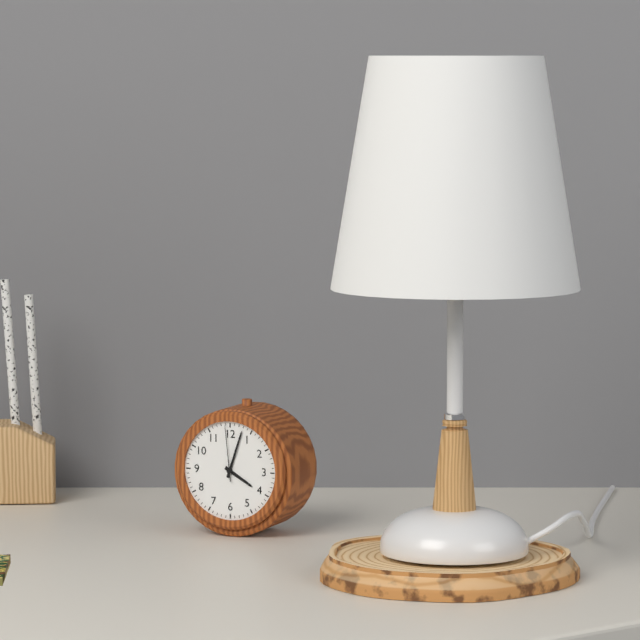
4:03:59
